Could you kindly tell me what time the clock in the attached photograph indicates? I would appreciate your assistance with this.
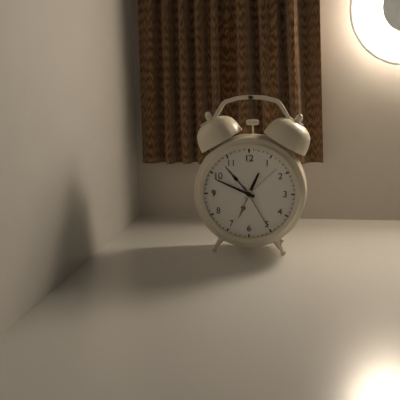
12:49:25
